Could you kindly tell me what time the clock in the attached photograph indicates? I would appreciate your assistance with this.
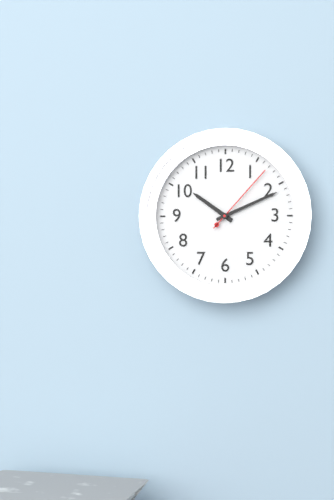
10:11:07
